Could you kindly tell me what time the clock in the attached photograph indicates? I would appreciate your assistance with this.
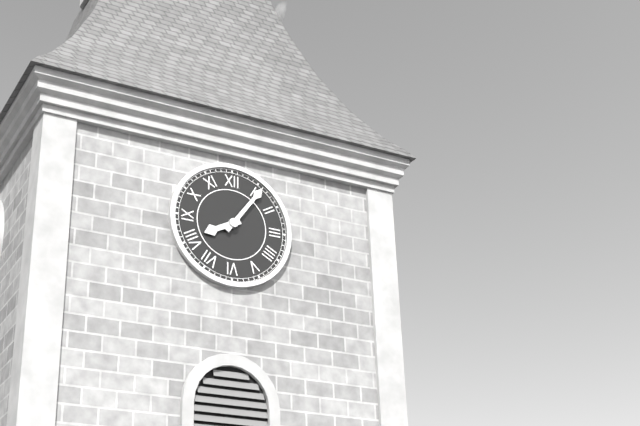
8:06
